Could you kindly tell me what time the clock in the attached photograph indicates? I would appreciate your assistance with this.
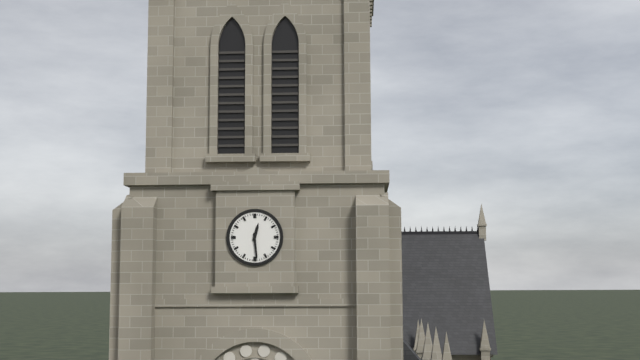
12:29
